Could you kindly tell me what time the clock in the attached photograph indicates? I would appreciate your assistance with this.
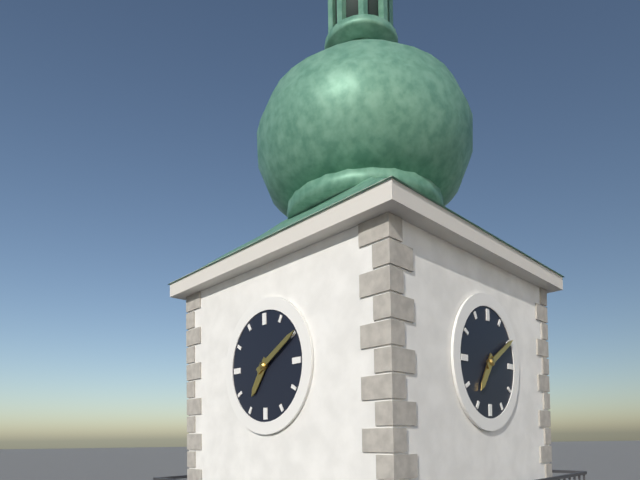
7:10
